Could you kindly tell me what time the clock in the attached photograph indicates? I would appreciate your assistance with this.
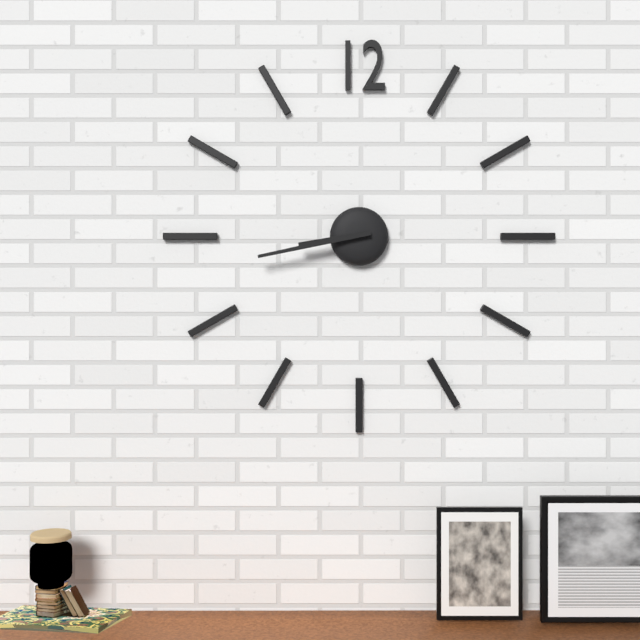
8:43
